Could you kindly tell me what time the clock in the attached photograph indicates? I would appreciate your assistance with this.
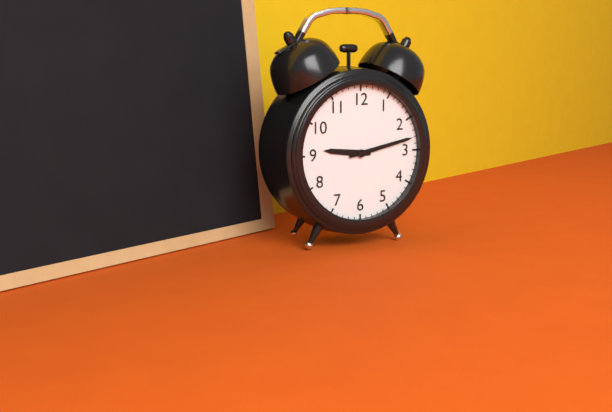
9:13
